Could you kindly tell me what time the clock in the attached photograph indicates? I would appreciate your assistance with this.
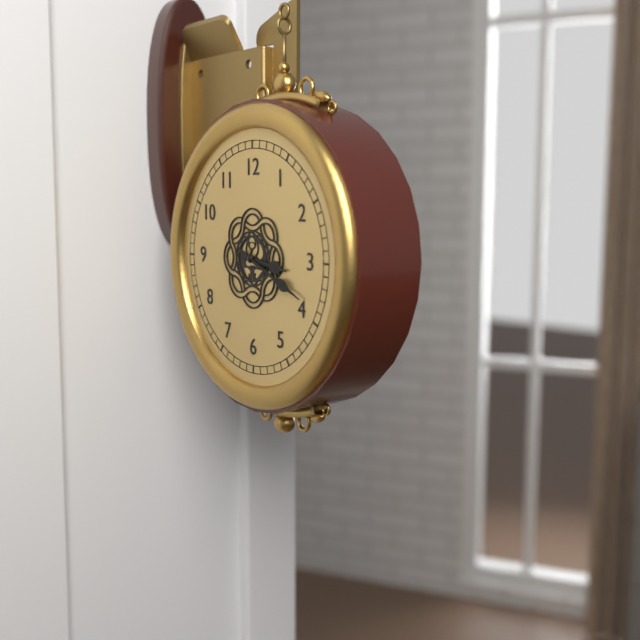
3:19
